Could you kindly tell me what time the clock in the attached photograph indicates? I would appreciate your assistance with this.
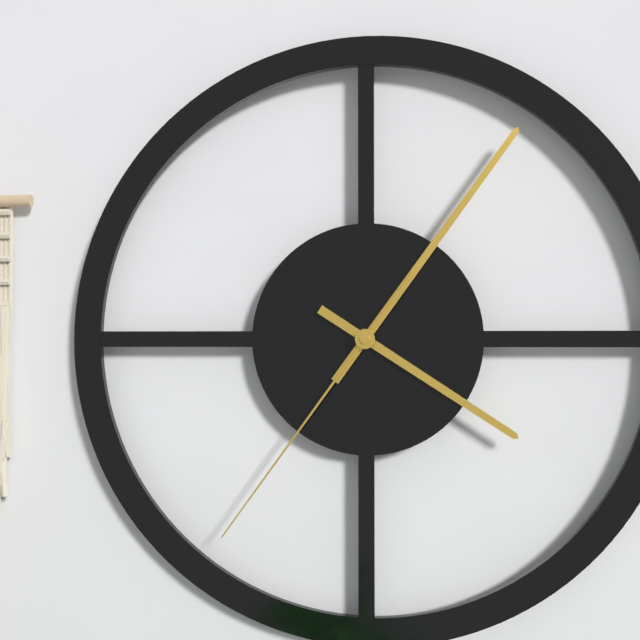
4:06:36
